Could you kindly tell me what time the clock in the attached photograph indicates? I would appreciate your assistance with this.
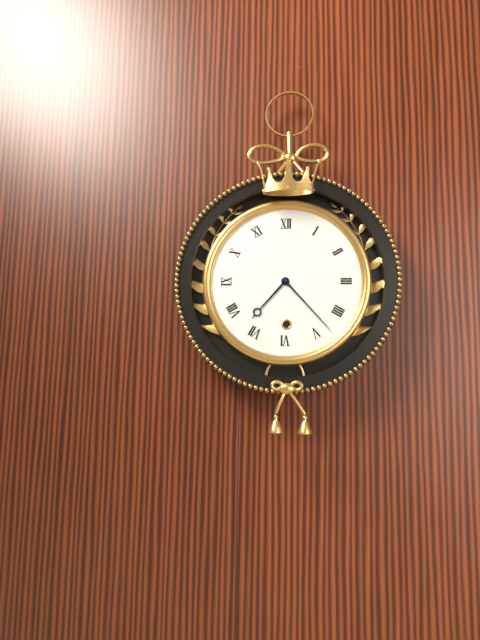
7:23
